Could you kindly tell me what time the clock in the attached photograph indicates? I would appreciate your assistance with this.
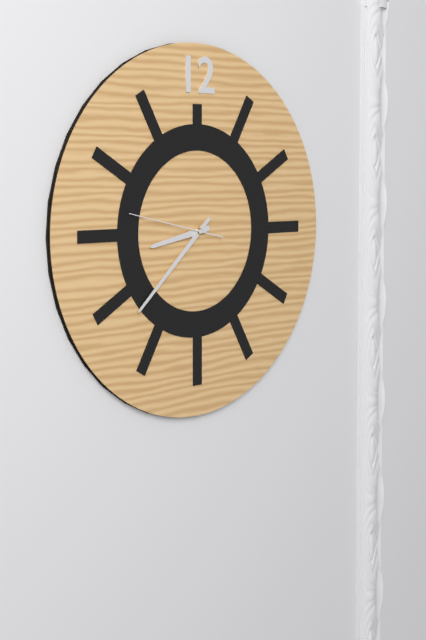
8:38:47
